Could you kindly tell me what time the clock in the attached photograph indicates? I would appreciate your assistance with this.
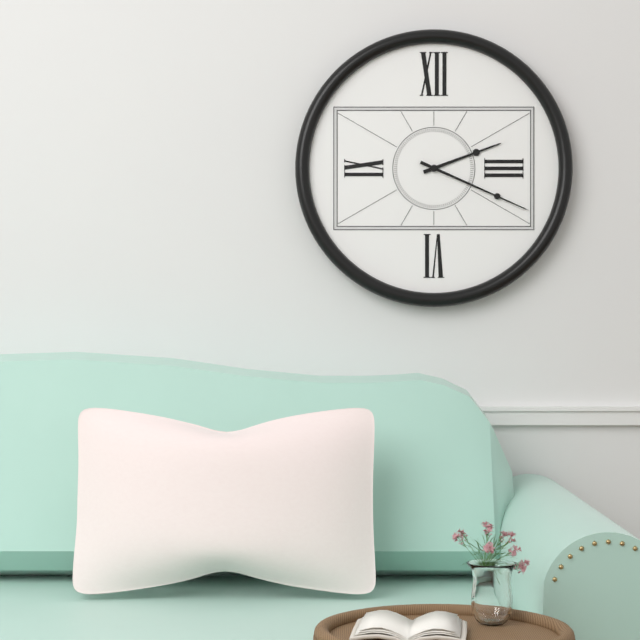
2:19
